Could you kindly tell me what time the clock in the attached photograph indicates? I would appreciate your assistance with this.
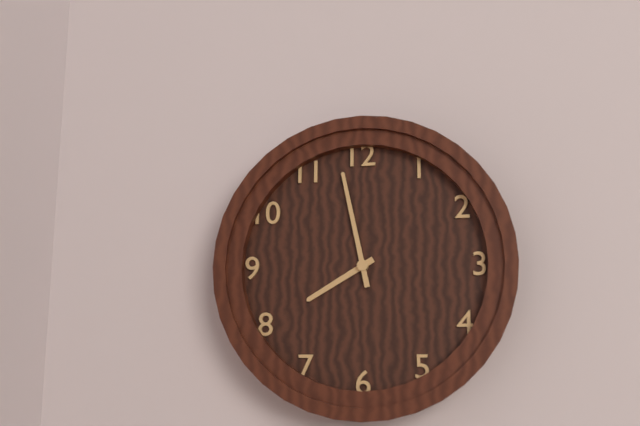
7:58
